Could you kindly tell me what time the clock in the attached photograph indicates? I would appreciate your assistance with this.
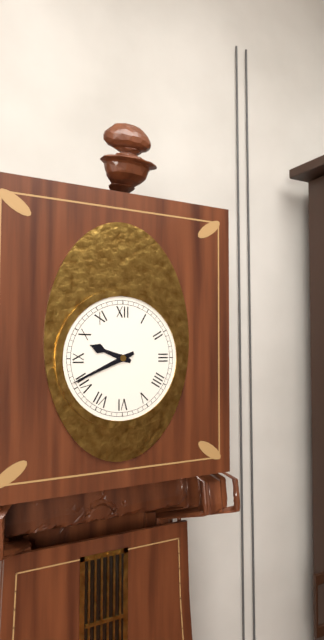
9:41
